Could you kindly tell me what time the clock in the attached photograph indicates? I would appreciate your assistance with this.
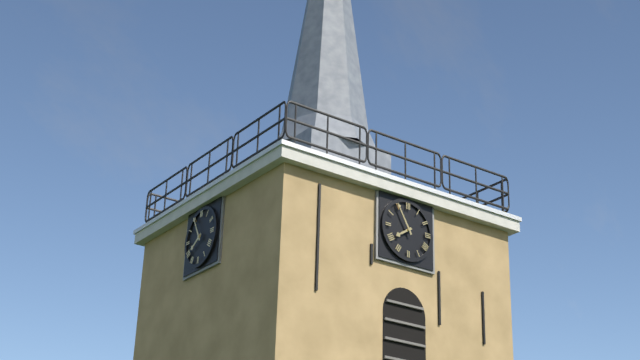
7:55
